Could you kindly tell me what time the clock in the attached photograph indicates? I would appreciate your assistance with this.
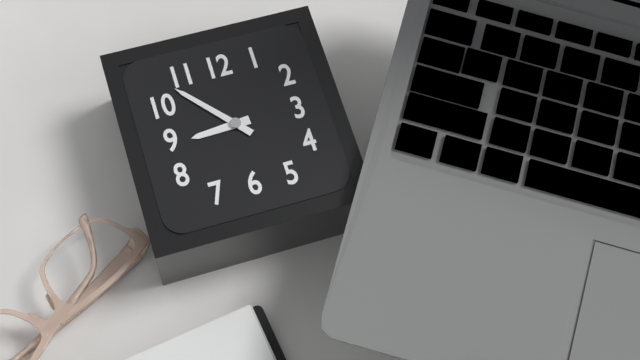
8:53
